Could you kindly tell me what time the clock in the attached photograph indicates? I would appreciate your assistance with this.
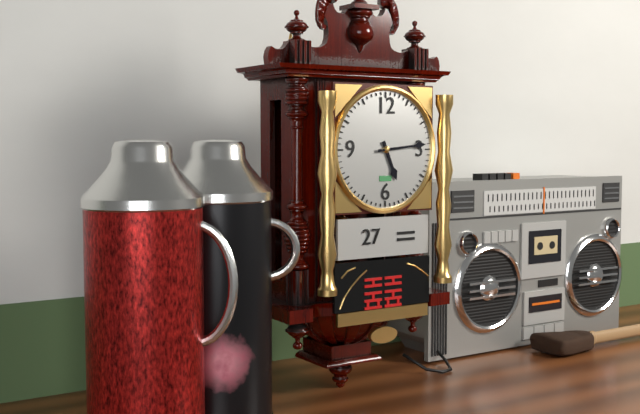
5:14
